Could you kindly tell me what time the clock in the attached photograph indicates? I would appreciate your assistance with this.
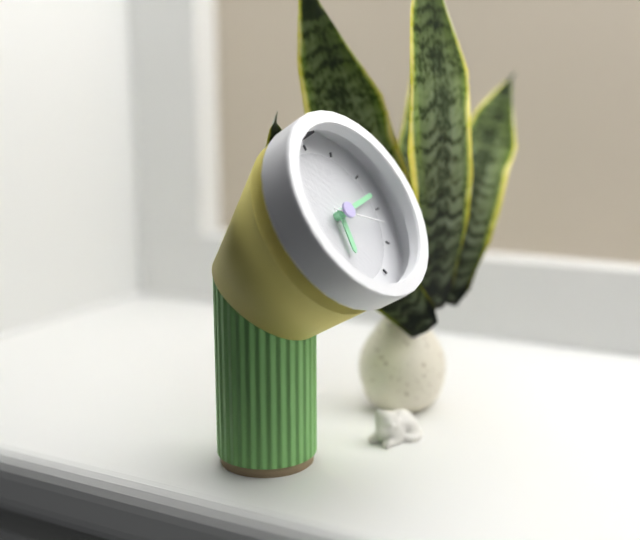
6:13:18
